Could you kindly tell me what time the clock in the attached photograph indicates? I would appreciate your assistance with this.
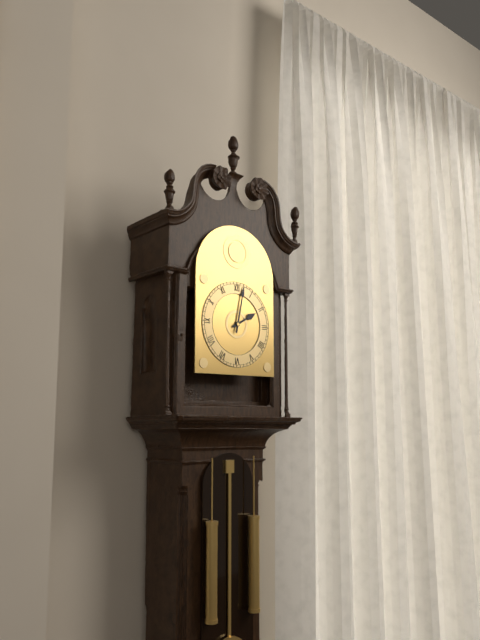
2:02
